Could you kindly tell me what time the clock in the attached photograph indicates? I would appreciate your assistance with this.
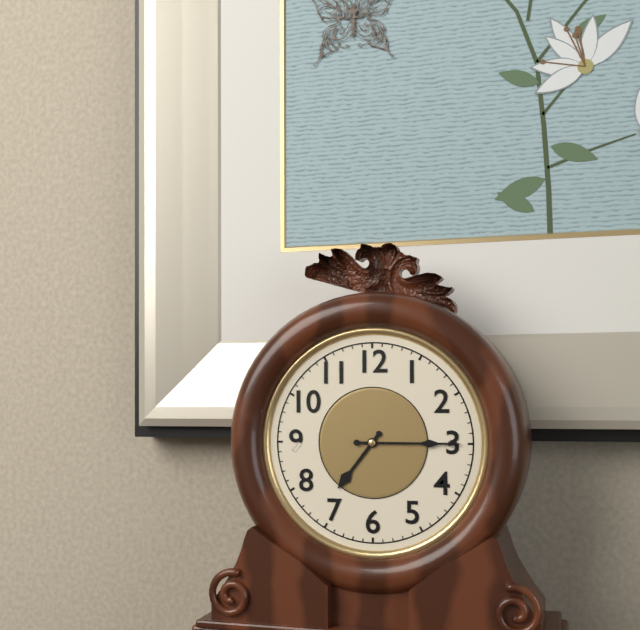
7:15
